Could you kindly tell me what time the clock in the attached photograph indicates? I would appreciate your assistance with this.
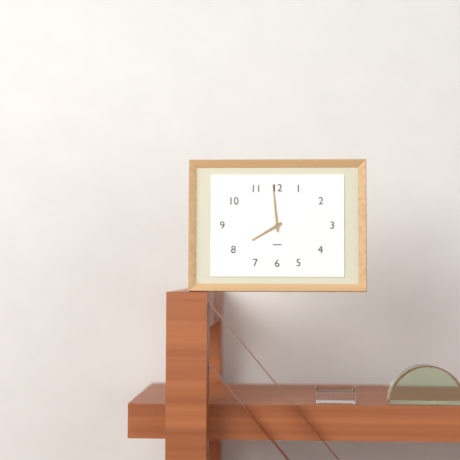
7:59
